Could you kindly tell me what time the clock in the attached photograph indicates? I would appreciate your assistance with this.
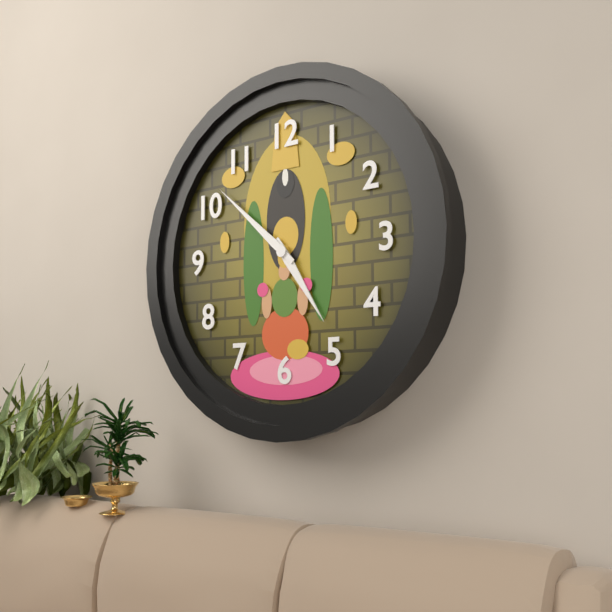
4:52
